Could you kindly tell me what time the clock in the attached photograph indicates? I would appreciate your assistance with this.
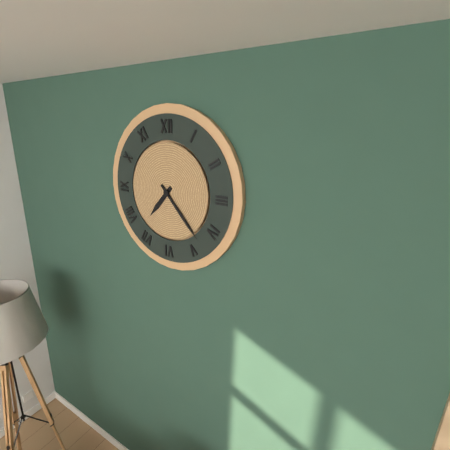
7:23
